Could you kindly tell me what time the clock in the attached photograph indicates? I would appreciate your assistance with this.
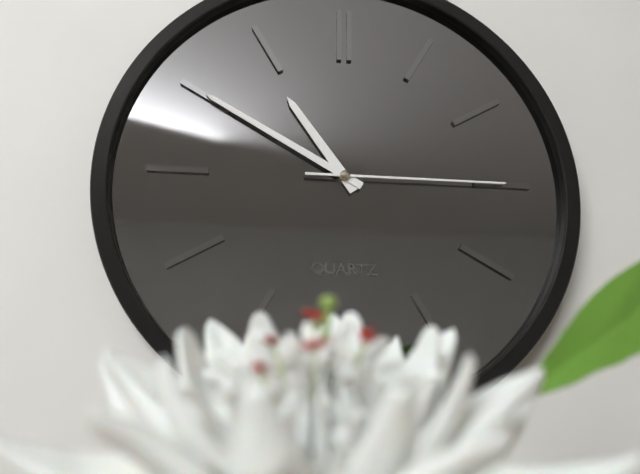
10:50:15
